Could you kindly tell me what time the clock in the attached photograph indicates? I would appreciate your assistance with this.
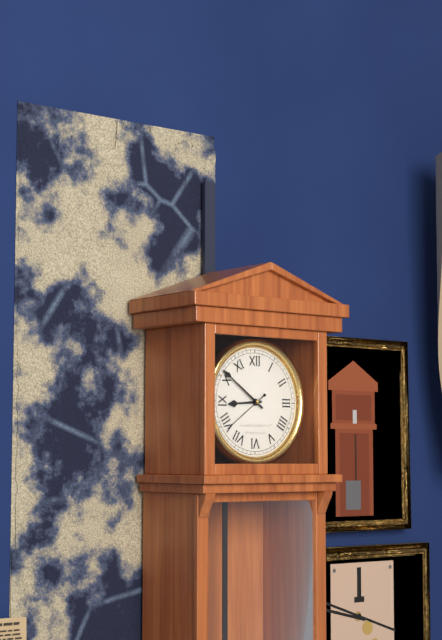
8:51
